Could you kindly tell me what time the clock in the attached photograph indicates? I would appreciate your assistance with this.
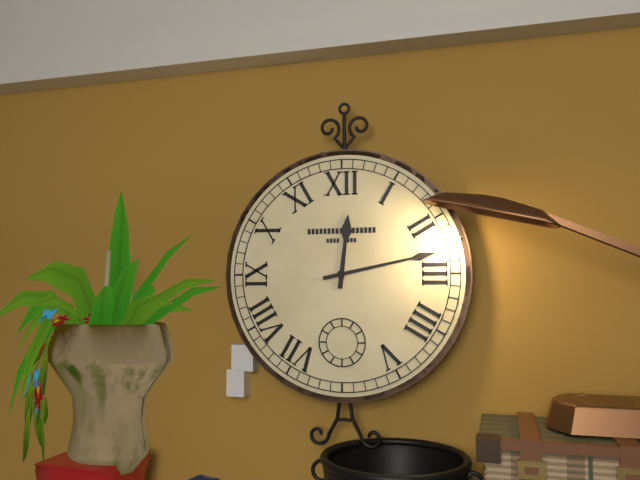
12:13
